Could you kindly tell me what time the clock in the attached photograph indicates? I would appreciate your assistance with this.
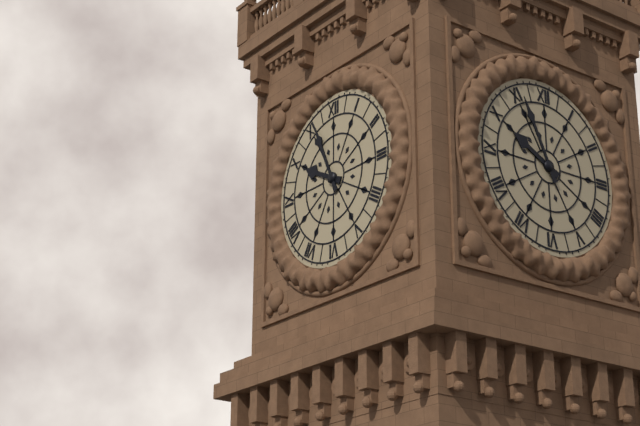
9:56
